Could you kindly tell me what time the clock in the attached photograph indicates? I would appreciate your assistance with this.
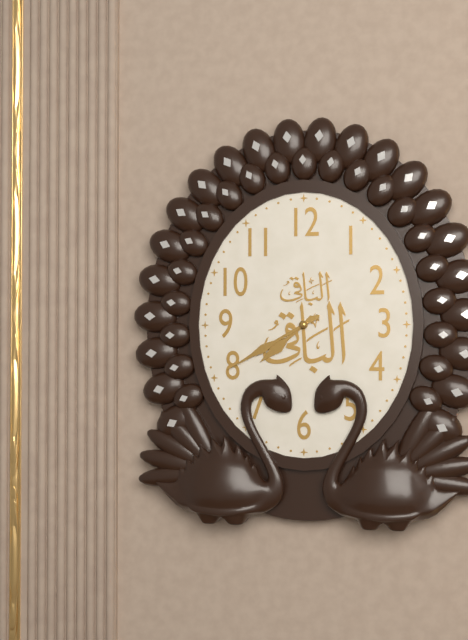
7:40
